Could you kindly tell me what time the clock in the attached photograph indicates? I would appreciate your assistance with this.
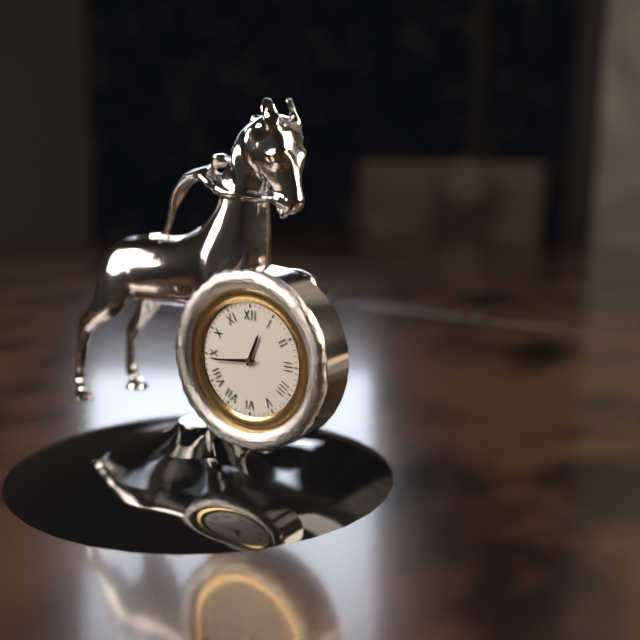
12:44
